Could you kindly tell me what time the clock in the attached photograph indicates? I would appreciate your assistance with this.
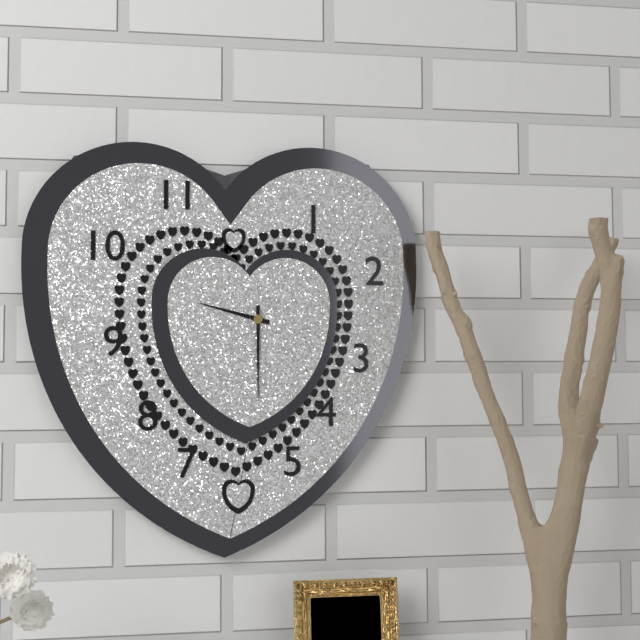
9:30
